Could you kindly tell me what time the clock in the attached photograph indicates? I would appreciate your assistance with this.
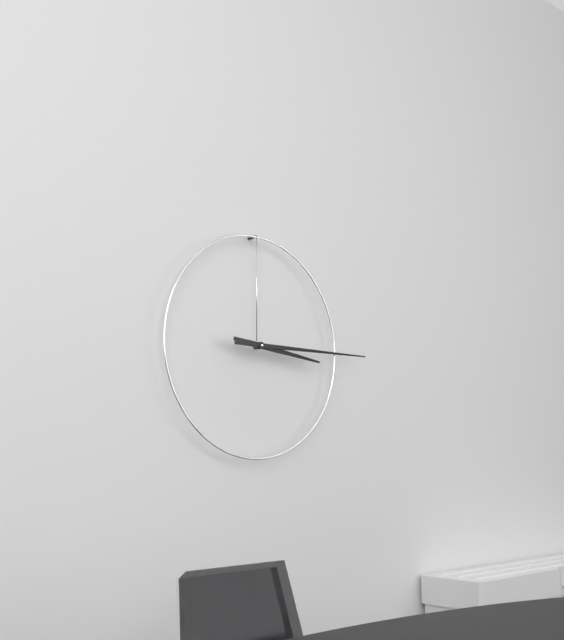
3:15
